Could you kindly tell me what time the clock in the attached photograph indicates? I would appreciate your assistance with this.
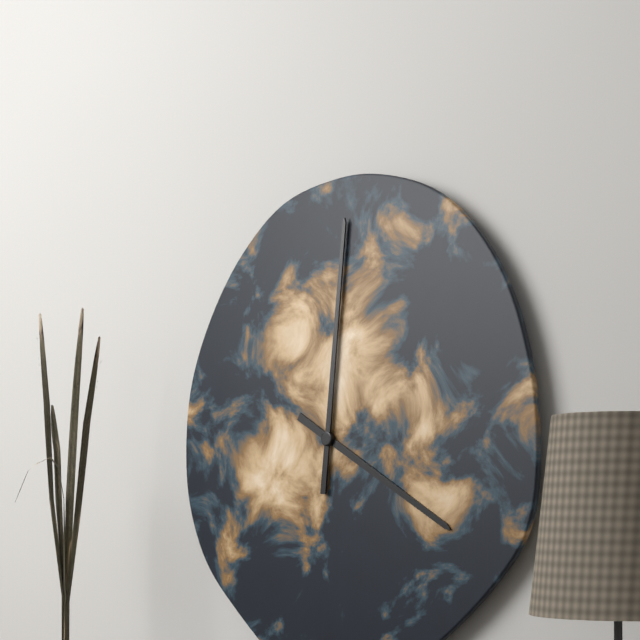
4:01
